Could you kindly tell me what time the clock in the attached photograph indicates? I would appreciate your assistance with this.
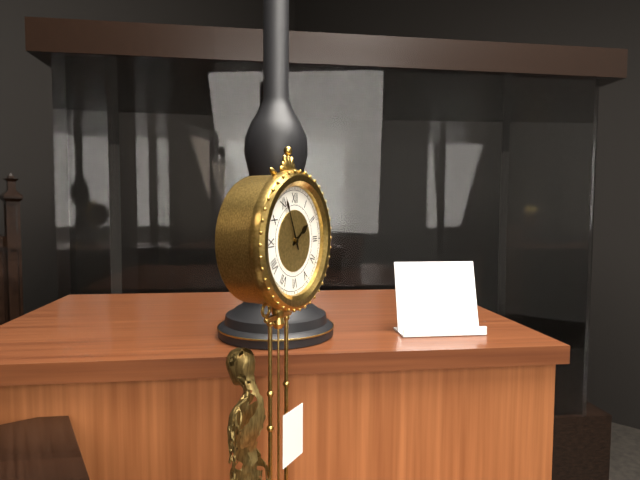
1:56
